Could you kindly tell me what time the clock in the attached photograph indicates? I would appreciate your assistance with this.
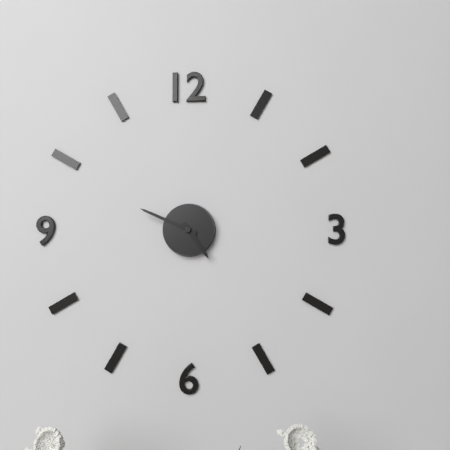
4:49
